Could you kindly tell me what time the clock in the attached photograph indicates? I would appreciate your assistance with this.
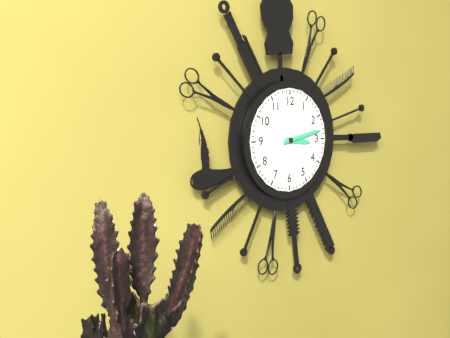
3:13
